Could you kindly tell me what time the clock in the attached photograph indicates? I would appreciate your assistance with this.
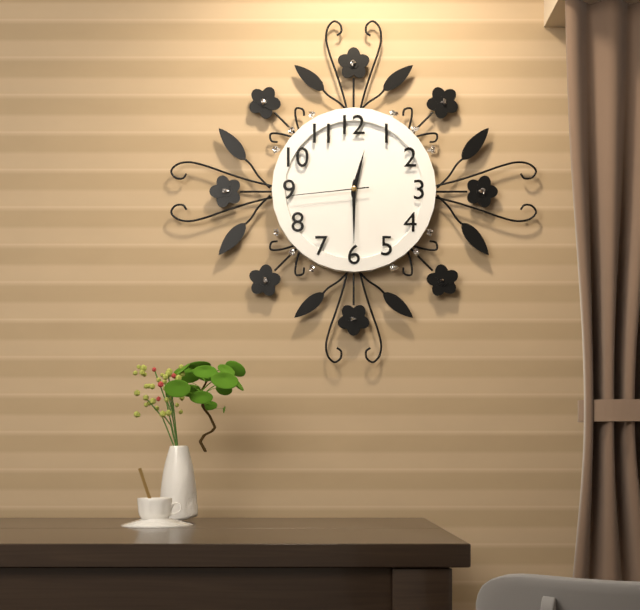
12:30:44
